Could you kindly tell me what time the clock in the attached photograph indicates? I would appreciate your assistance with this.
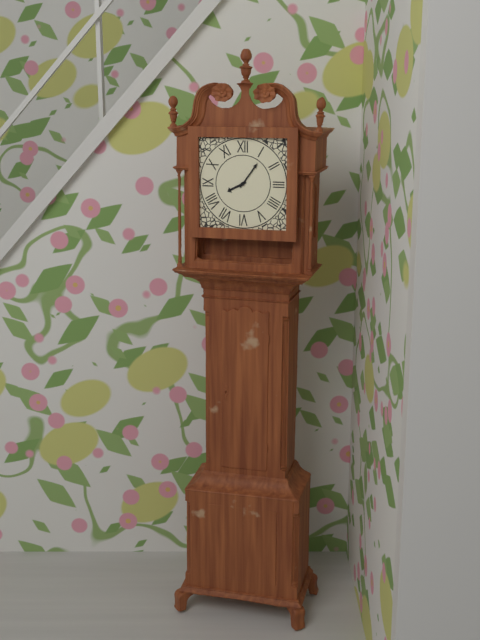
8:06
